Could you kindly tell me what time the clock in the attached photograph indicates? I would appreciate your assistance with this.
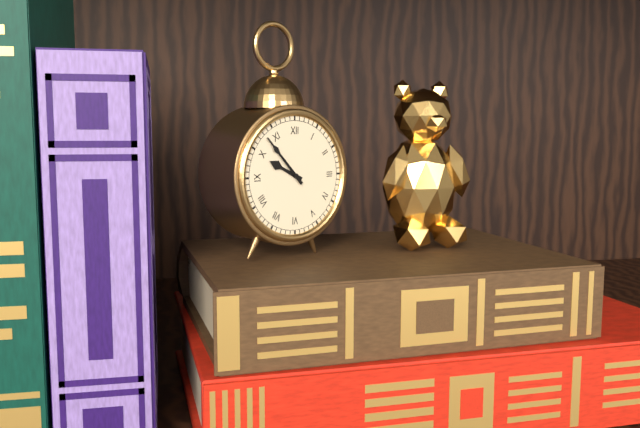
9:53
